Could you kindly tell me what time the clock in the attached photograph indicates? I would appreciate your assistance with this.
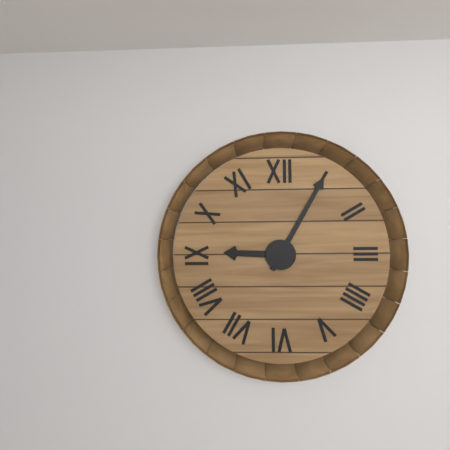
9:05
